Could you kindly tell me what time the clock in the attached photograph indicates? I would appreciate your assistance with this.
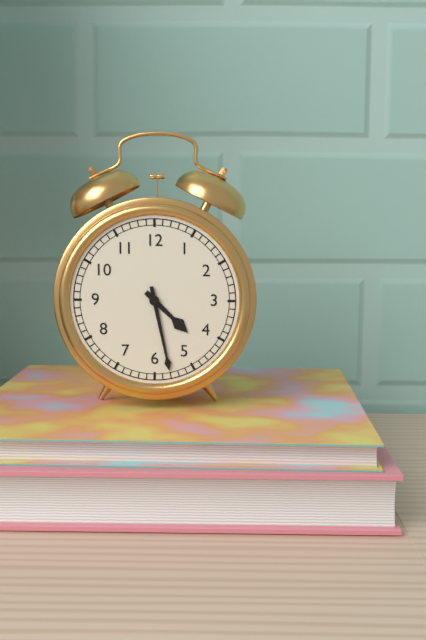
4:28
